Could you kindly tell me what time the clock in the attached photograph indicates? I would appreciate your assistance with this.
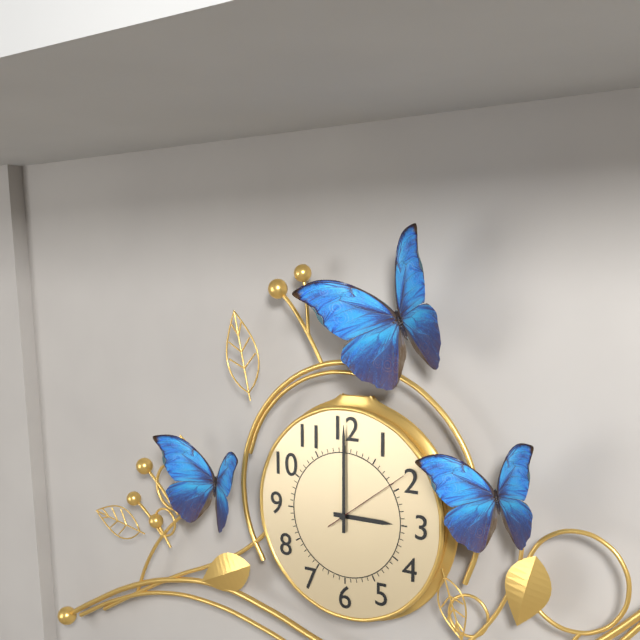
3:00:09
